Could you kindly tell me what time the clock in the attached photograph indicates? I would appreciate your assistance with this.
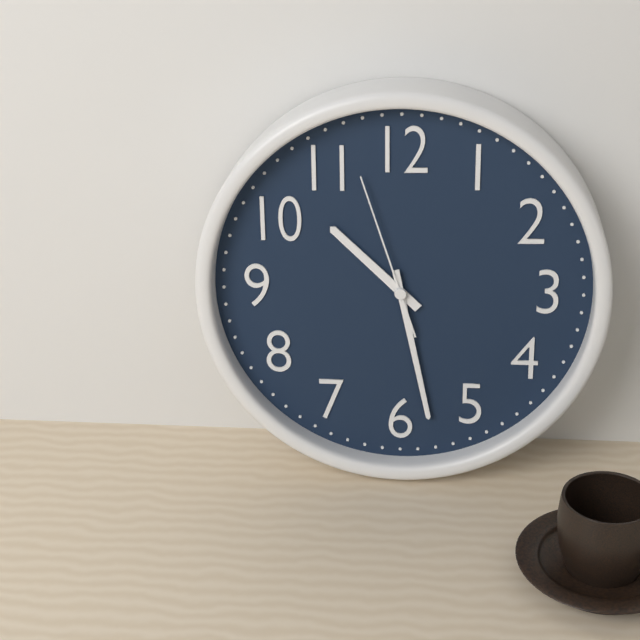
10:28:57
